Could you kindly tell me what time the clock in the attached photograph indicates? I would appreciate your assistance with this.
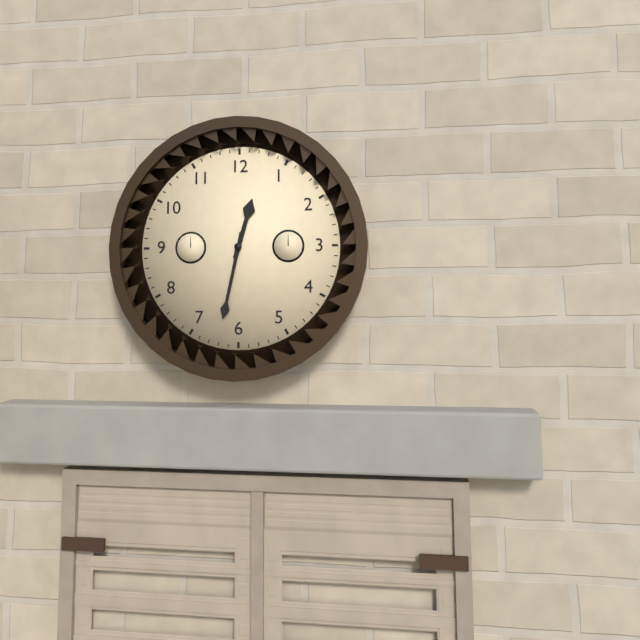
12:32
